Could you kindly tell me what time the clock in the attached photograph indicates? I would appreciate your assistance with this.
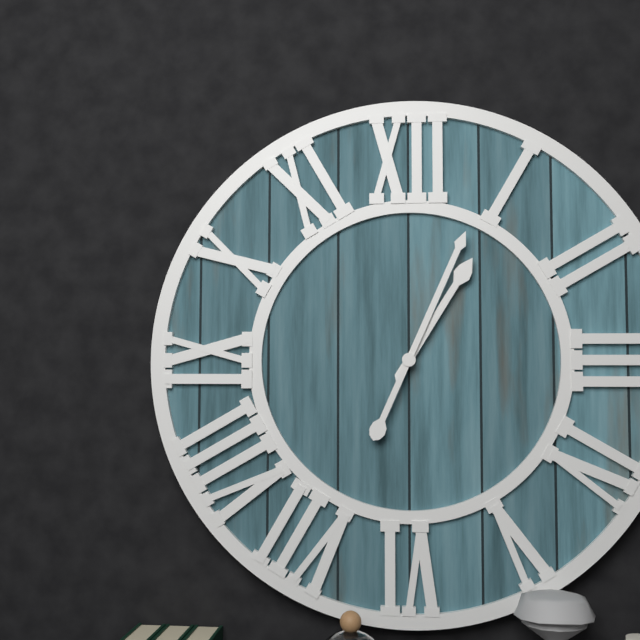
1:04
